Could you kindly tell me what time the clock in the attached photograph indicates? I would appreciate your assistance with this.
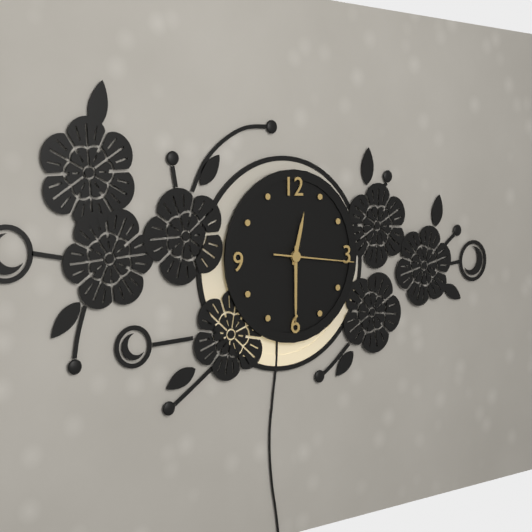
12:30:16
